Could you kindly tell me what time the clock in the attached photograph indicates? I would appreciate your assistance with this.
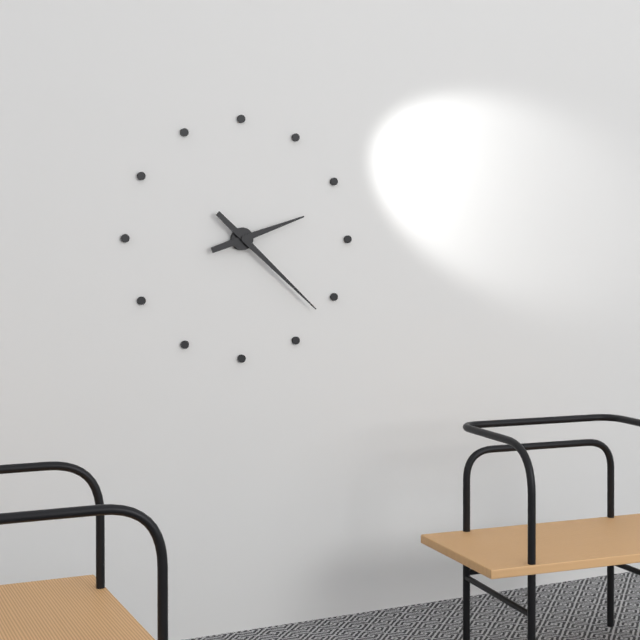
2:22
